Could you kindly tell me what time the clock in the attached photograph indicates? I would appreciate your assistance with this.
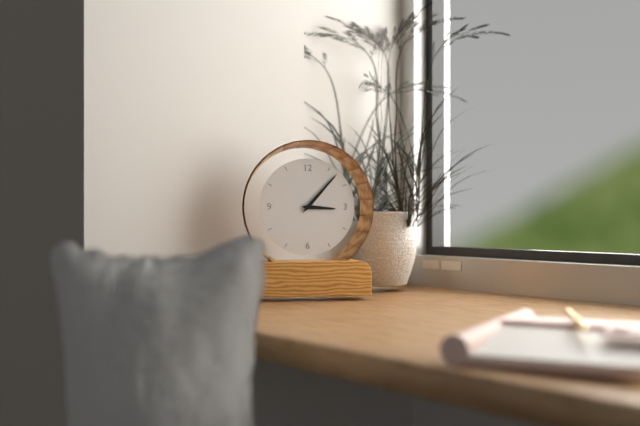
3:07
